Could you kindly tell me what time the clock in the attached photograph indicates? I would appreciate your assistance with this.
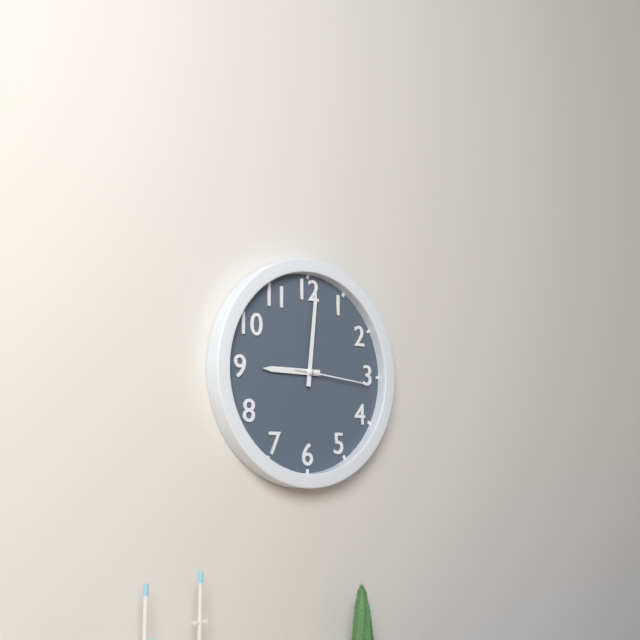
9:01:16
